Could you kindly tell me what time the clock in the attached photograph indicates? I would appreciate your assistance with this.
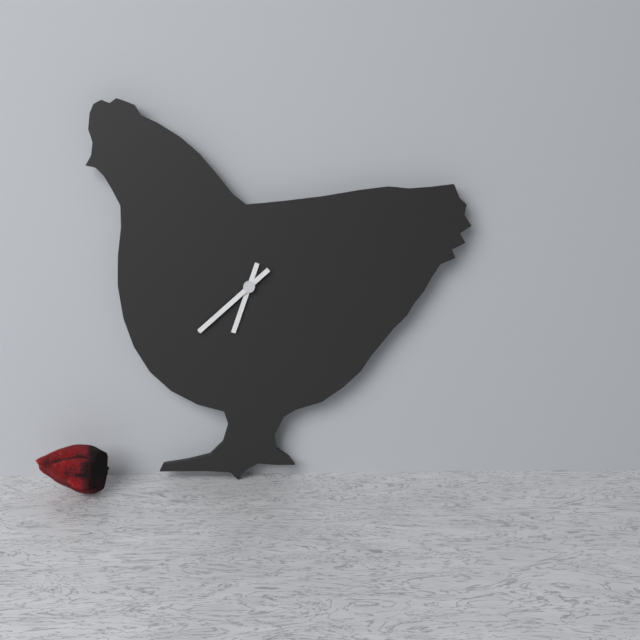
6:38
